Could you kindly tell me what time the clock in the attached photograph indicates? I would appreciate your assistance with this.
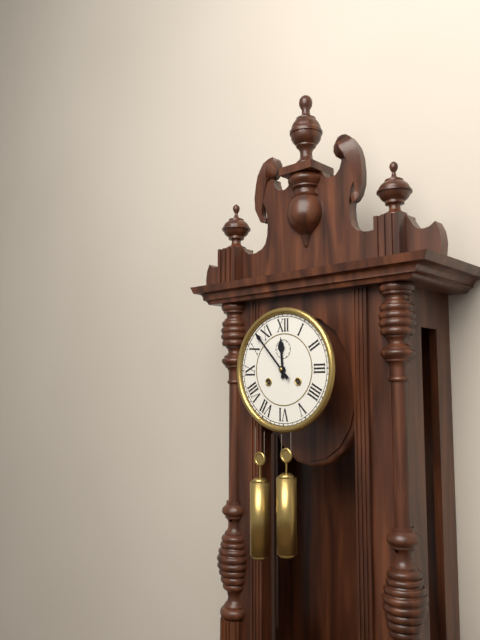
11:53
